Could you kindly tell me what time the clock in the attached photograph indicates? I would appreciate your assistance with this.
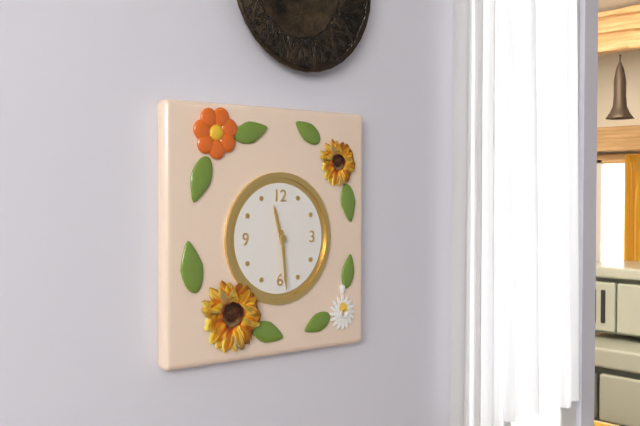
11:29
